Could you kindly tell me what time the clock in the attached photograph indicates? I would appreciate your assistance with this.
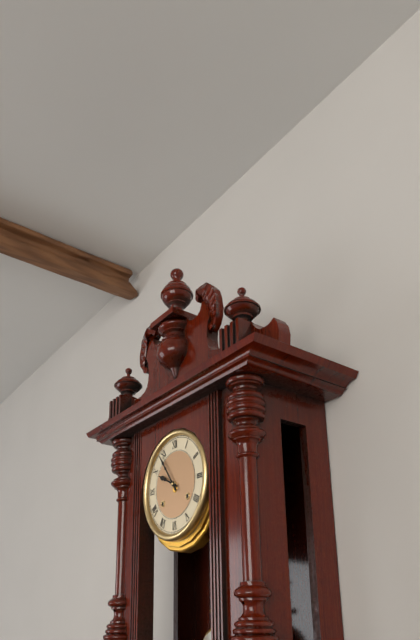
9:54
